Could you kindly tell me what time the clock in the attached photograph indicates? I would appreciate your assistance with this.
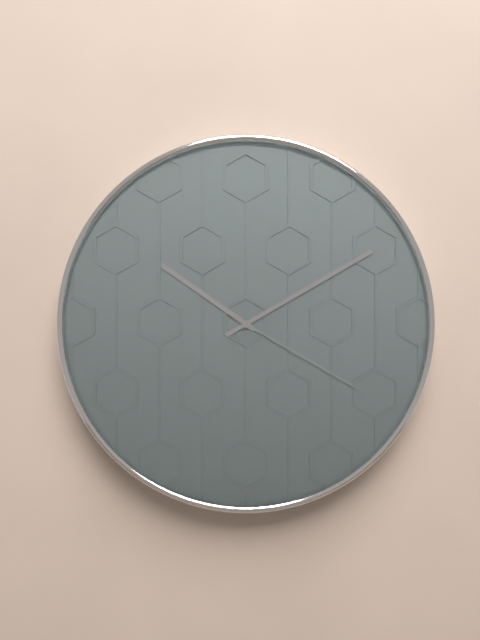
10:10:20
